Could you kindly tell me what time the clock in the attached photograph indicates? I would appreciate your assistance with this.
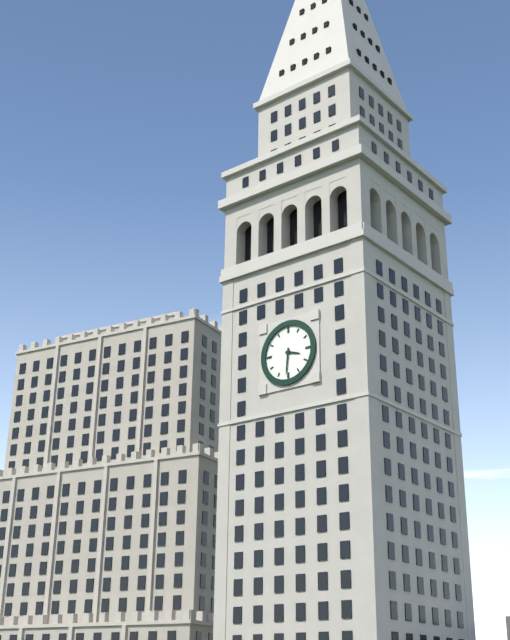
3:31
